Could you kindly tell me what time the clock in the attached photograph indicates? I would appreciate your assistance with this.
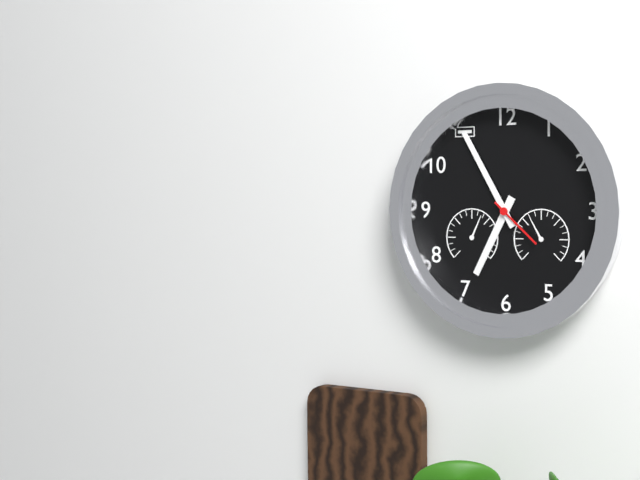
6:55:22
